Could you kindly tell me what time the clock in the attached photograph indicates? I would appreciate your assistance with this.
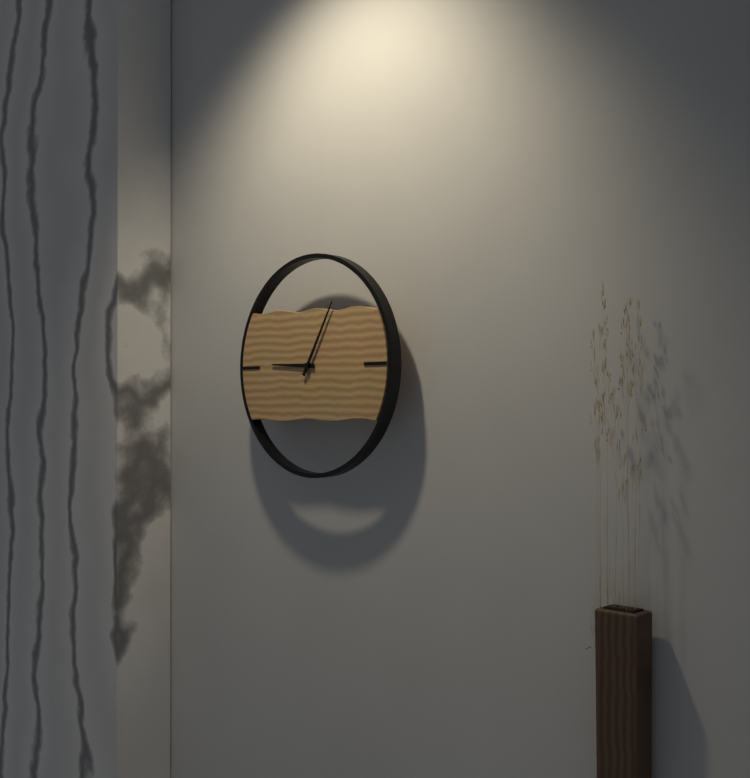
9:05
